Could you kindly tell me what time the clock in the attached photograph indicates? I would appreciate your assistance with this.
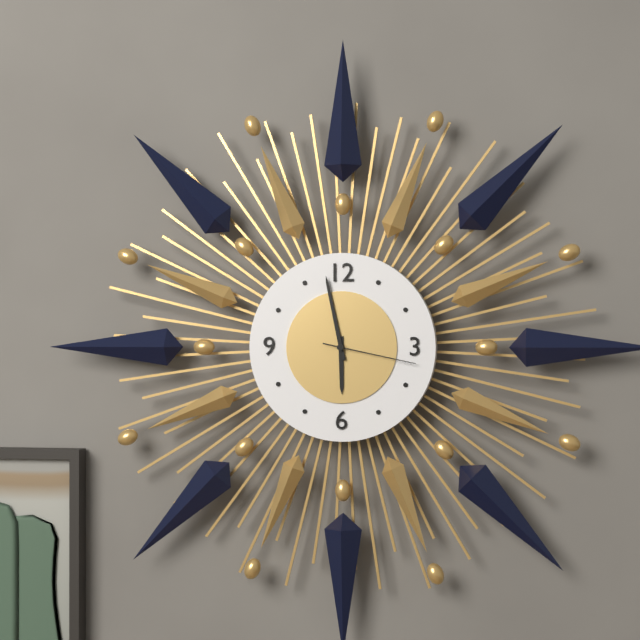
5:58:17
